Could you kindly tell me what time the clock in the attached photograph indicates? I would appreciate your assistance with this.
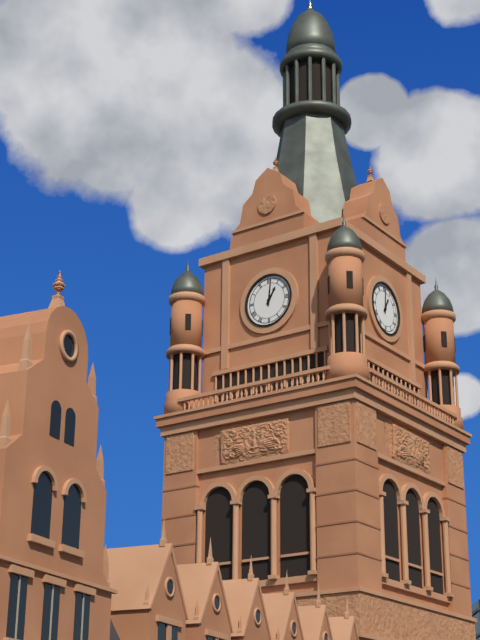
1:01
